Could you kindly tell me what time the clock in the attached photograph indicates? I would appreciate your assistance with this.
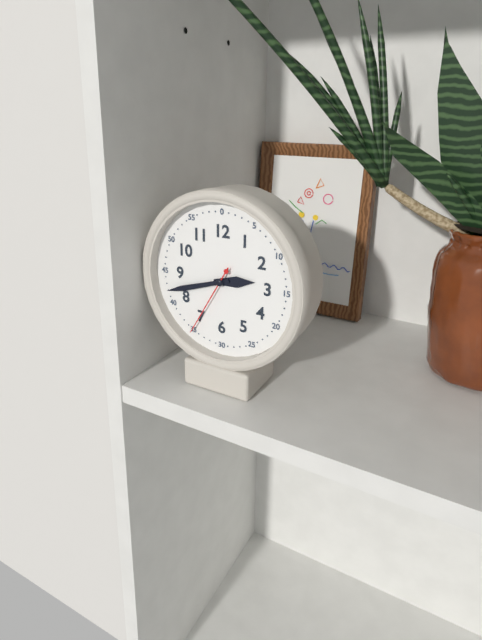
2:42:35
